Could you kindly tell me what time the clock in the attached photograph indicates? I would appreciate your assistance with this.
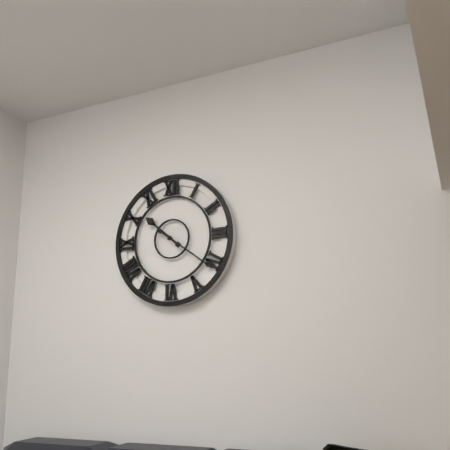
10:21
